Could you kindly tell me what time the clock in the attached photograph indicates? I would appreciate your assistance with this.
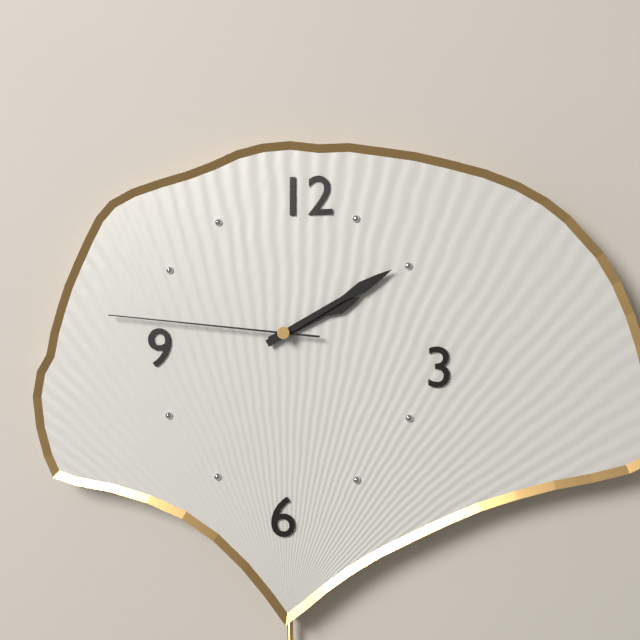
2:10:46
